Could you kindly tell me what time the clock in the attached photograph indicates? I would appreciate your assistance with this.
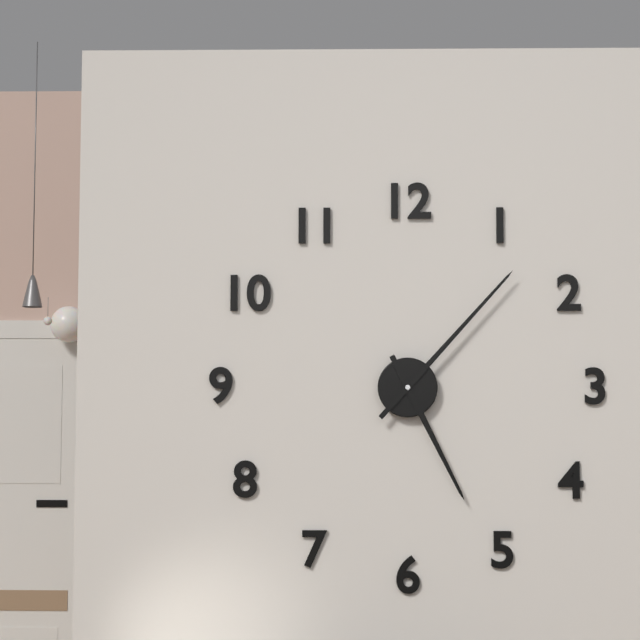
5:07
